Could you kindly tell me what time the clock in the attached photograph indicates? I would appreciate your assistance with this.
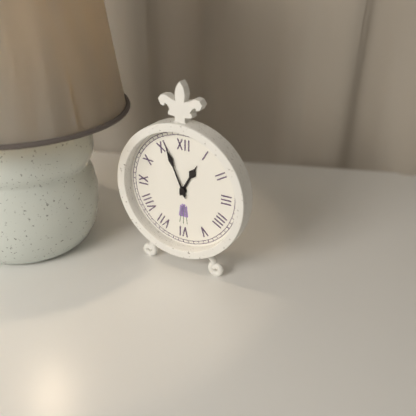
12:56
